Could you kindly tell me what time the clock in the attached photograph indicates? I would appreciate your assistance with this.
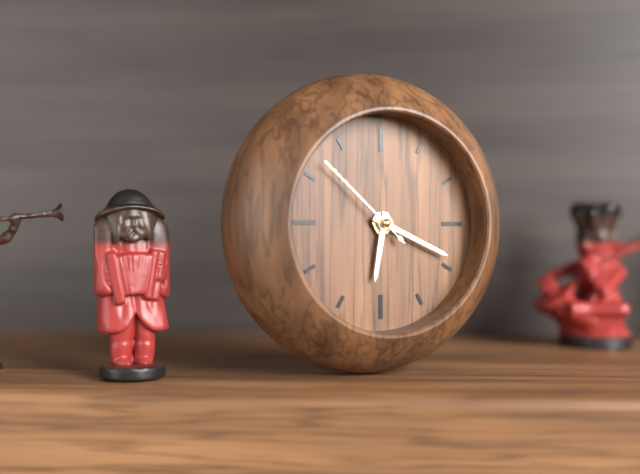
6:19:52
